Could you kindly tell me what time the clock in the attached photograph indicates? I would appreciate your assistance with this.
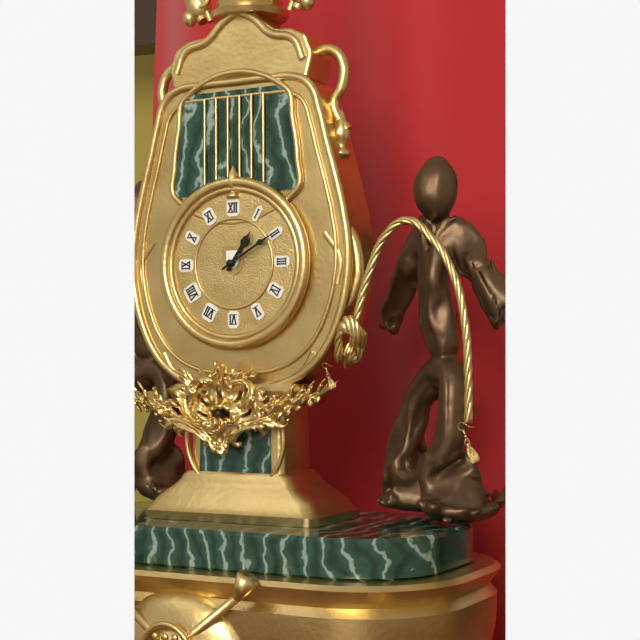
1:10
